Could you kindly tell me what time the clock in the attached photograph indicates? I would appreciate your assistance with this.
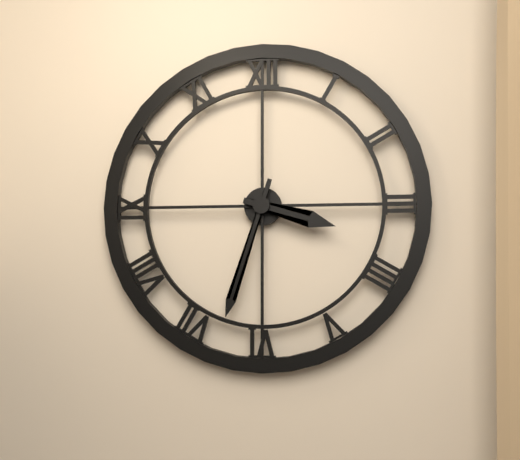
3:33
